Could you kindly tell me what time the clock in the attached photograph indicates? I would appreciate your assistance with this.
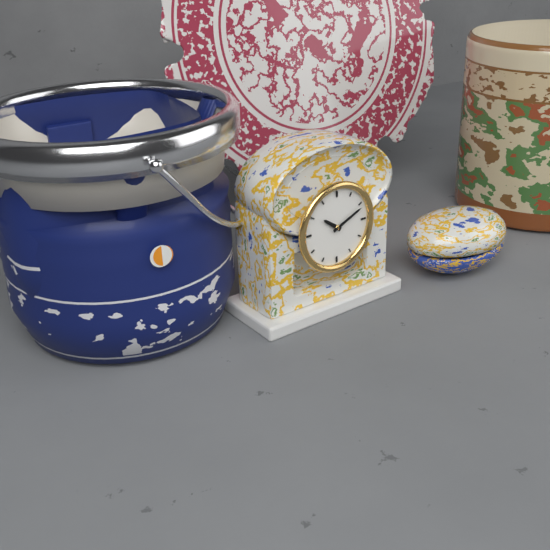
10:11
